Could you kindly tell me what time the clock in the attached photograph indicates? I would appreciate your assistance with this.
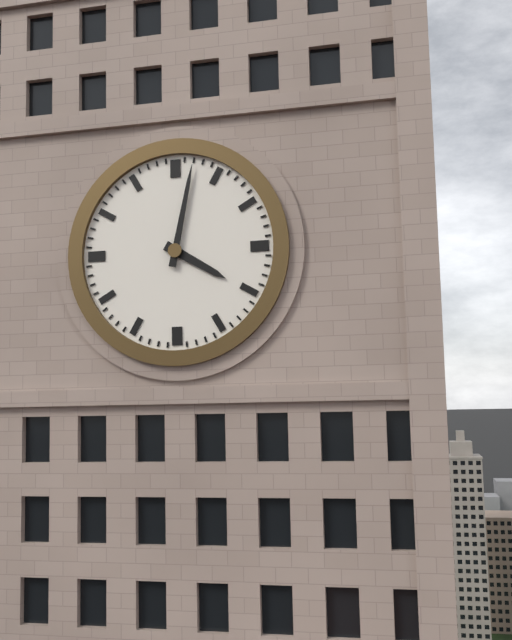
4:02
